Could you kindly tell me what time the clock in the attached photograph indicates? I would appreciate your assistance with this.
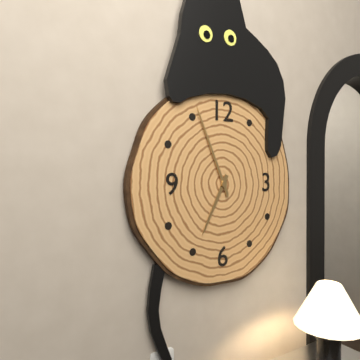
6:56
